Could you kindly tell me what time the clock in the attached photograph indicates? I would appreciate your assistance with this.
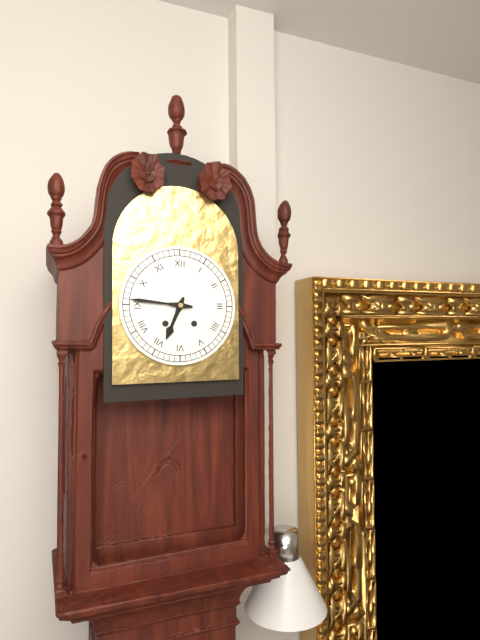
6:46
